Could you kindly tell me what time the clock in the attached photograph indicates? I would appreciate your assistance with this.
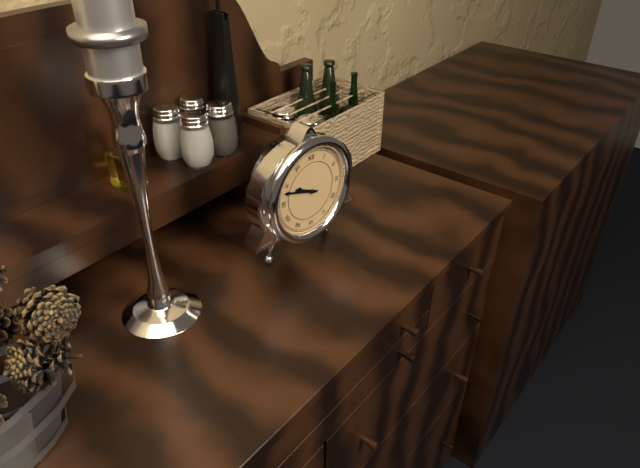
9:48
